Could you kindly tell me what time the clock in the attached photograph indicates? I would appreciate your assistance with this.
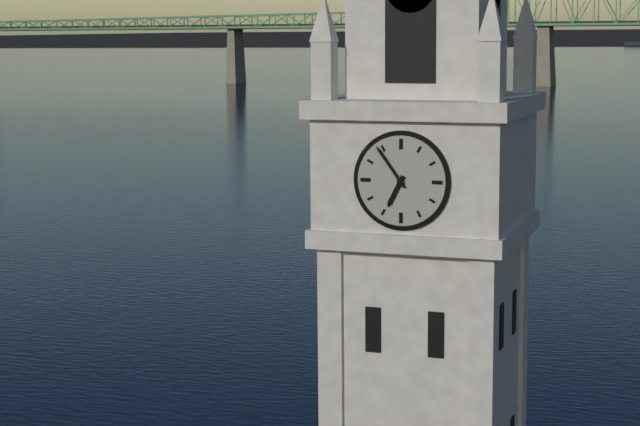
6:54
